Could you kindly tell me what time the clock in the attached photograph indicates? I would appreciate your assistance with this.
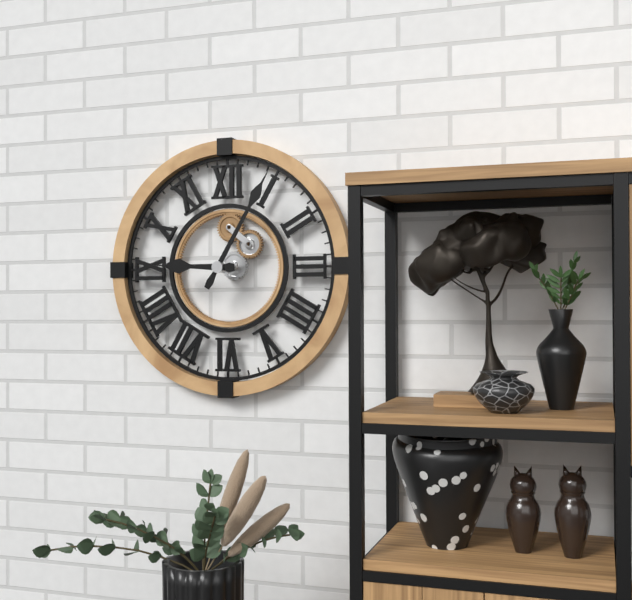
9:05
